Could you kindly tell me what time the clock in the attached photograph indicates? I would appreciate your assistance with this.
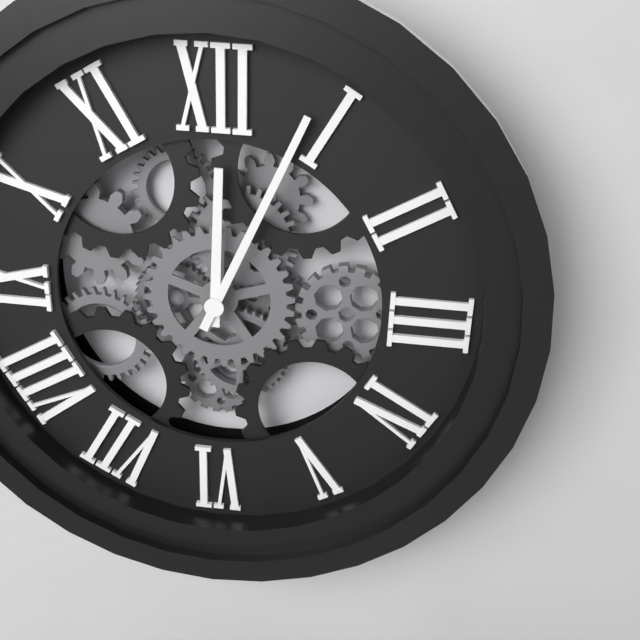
12:04
